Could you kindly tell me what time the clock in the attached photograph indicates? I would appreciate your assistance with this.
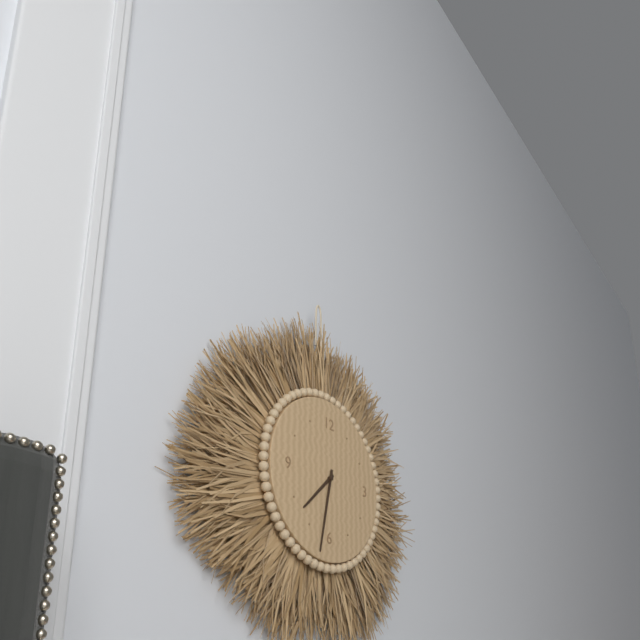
7:32
